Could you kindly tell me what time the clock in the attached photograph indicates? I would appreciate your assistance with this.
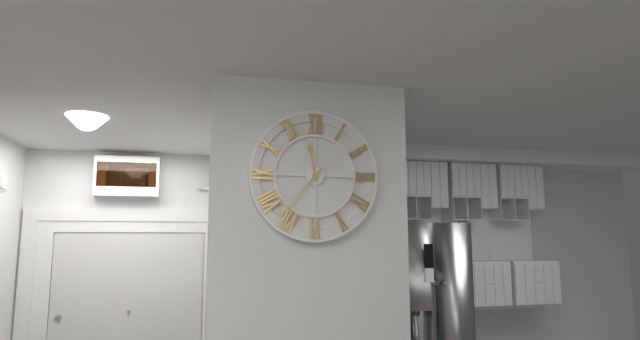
11:37
